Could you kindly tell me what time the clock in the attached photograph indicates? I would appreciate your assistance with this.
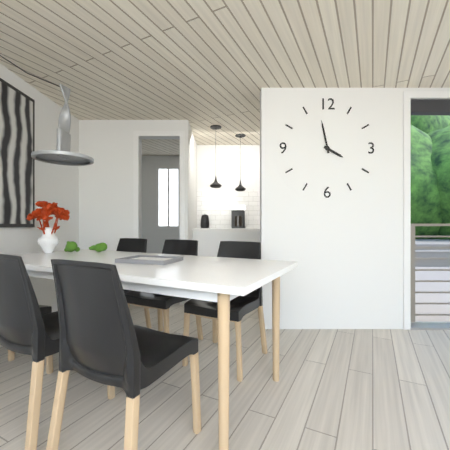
3:58
